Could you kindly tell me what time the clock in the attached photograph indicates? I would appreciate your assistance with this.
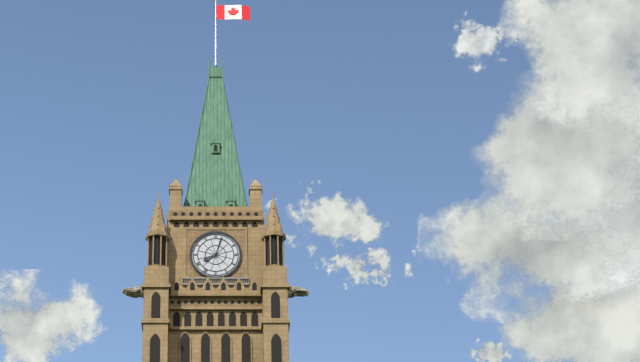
8:03
